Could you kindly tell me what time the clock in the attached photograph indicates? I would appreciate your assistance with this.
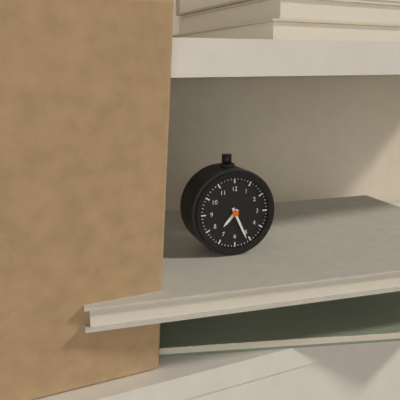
7:26
